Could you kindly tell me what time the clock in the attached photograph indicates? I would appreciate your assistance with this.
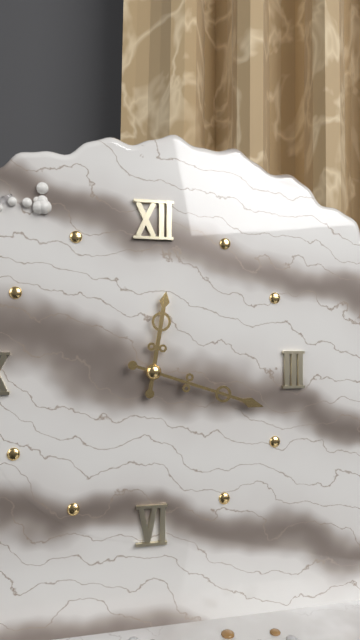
12:18
